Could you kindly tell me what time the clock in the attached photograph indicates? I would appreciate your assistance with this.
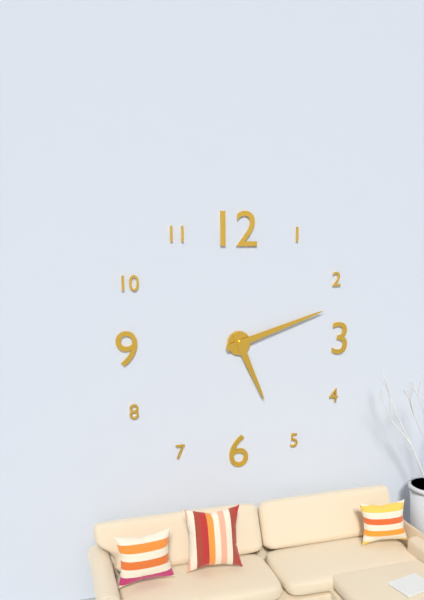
5:12
